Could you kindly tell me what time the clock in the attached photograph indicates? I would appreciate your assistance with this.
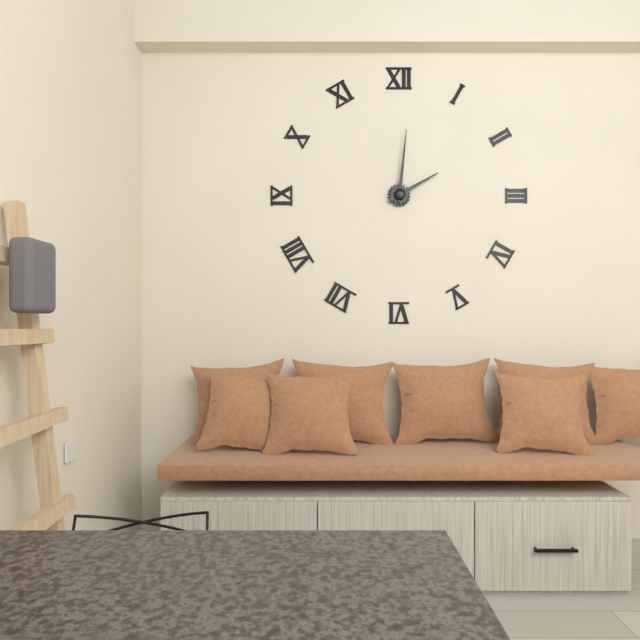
2:01
